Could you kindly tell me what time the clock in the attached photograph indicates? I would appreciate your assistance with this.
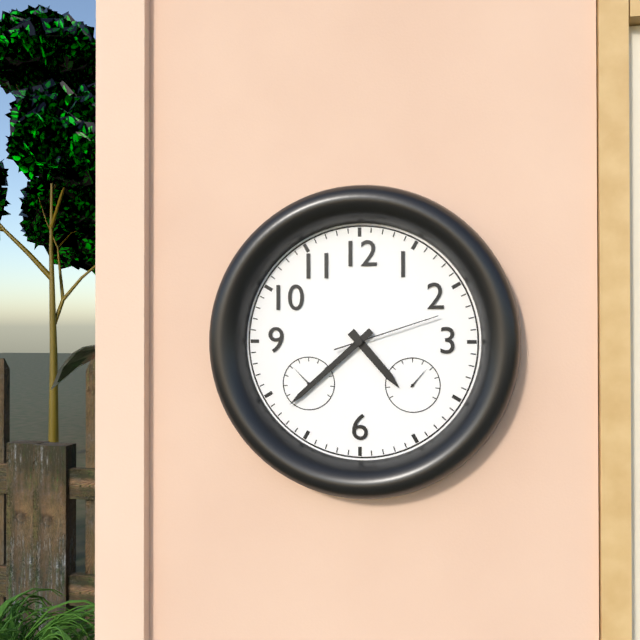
4:38:12
